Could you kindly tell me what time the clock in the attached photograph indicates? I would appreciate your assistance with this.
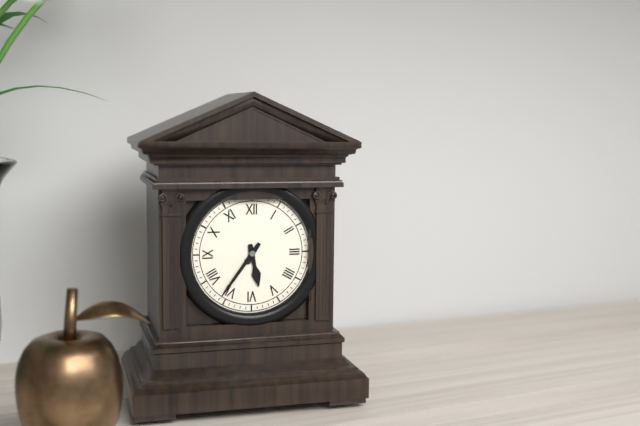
5:36
